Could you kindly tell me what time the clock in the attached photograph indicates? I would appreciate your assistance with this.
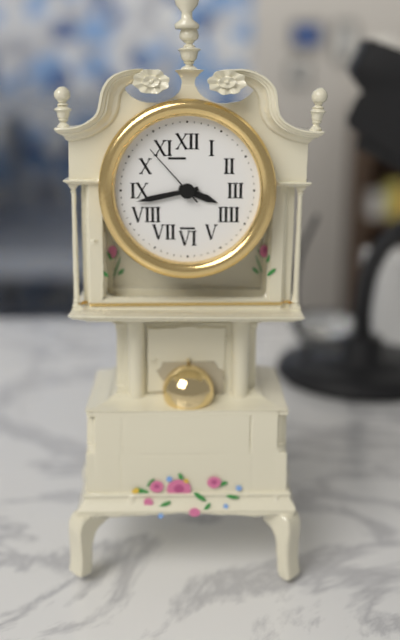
3:43:53
